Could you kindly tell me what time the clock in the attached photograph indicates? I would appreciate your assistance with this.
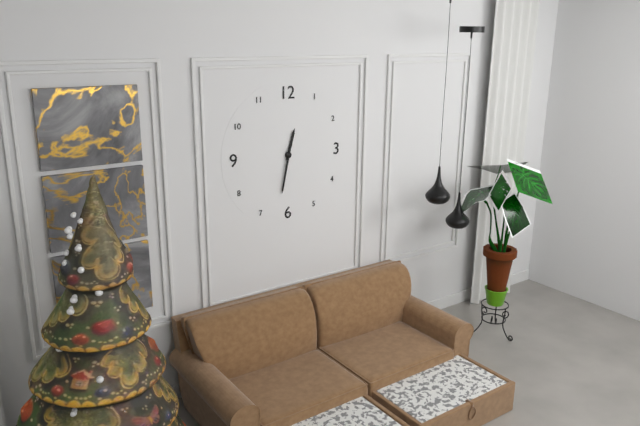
12:32
